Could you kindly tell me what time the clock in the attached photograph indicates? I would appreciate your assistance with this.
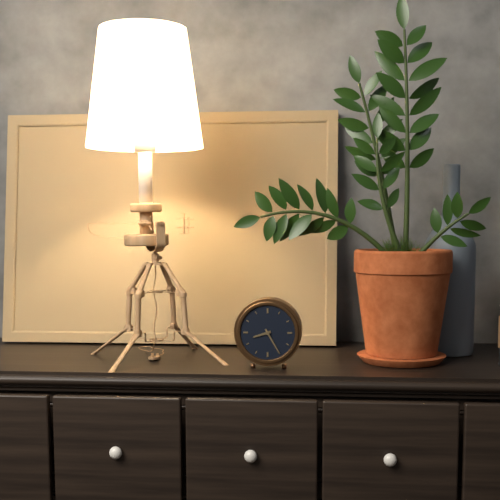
8:25
